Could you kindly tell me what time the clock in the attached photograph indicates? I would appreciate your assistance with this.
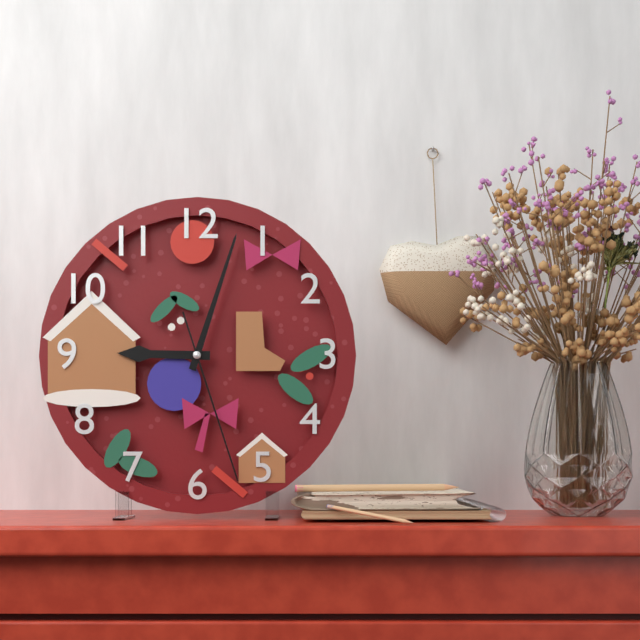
9:03:27
